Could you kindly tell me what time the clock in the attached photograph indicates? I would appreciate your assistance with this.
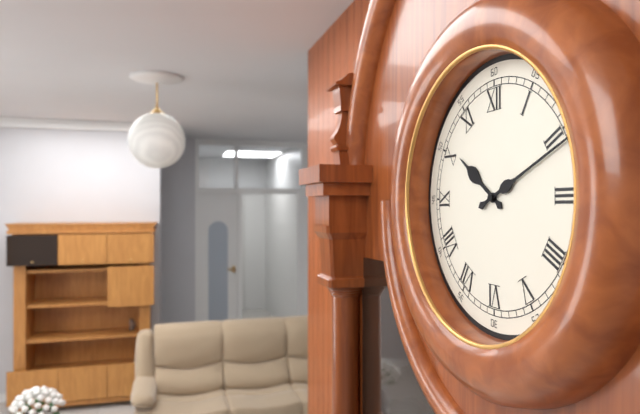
10:11
